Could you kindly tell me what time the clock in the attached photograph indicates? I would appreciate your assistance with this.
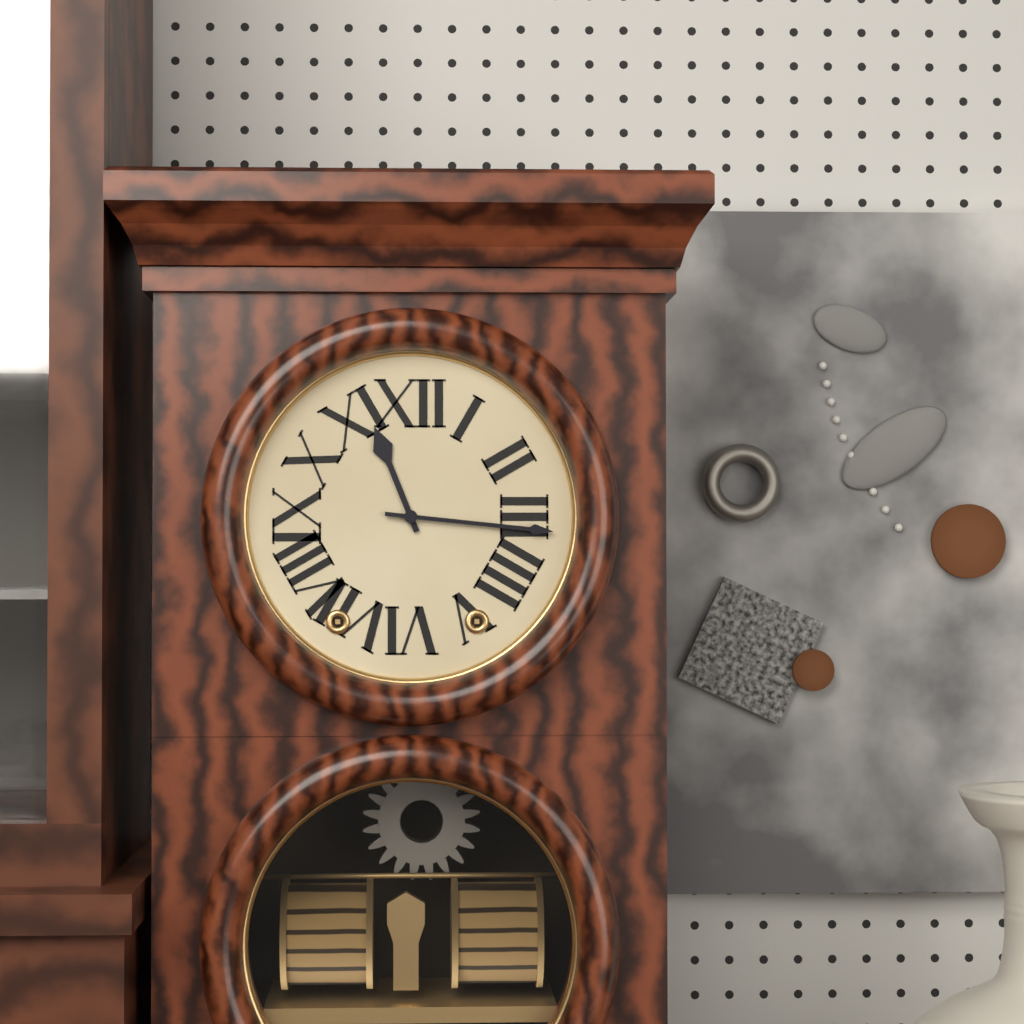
11:16
